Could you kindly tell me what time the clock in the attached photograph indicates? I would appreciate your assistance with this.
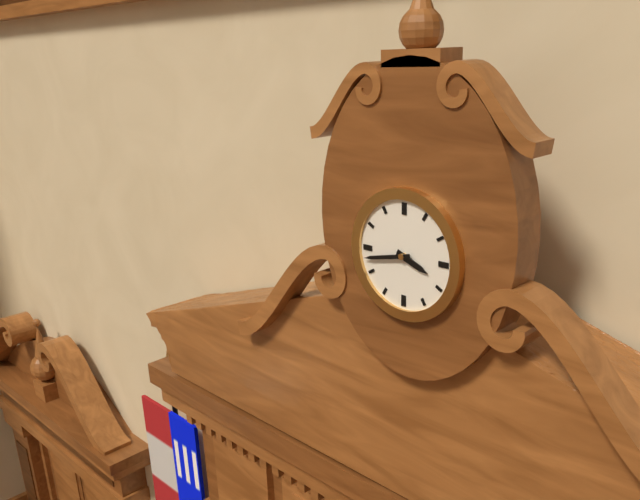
3:43
